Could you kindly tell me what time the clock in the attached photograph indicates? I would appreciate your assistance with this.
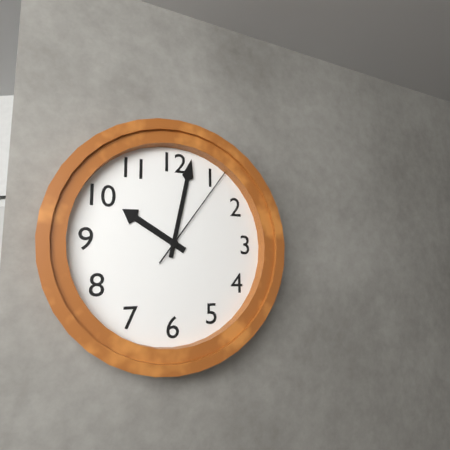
10:02:06
